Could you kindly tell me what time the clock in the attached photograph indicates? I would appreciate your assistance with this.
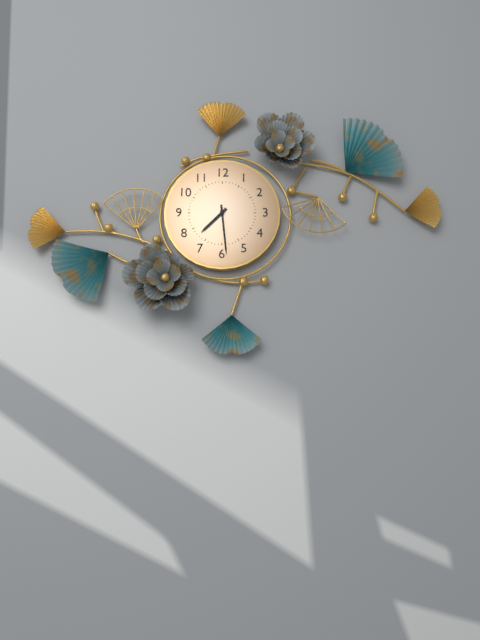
7:29
